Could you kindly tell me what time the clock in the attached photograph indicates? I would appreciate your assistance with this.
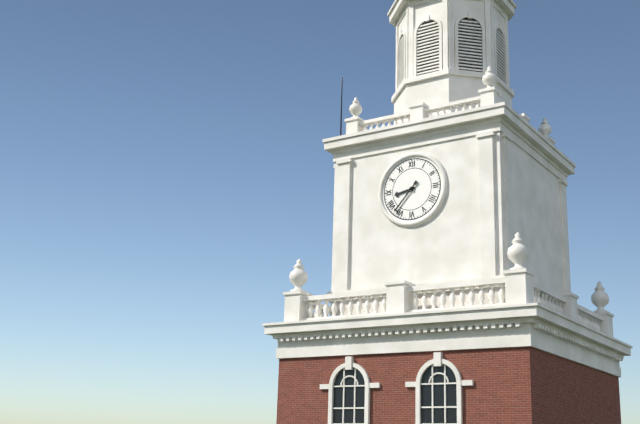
8:37
